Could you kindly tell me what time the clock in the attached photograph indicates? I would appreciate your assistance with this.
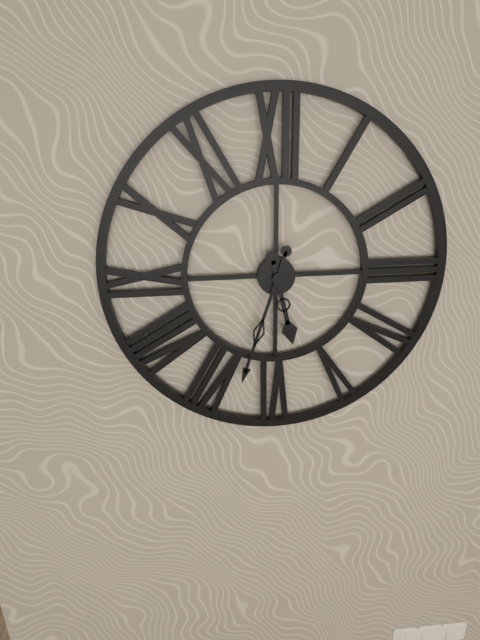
5:33
